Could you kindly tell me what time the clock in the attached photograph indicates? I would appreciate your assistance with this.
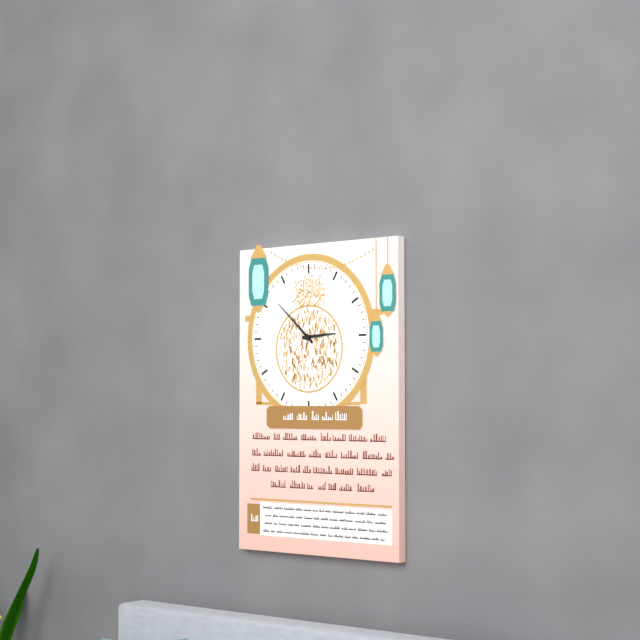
2:52
